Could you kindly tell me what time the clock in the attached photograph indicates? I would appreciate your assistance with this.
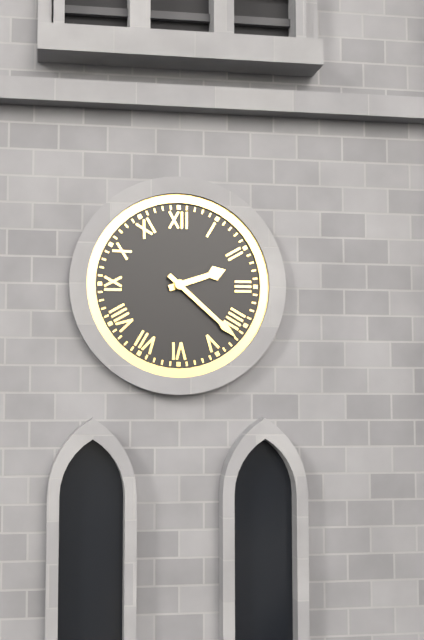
2:22
